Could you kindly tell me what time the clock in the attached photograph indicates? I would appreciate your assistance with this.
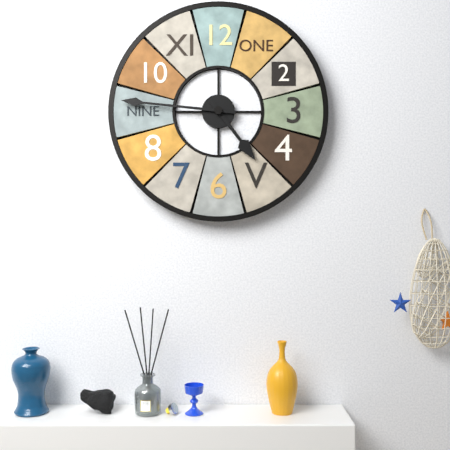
4:46
